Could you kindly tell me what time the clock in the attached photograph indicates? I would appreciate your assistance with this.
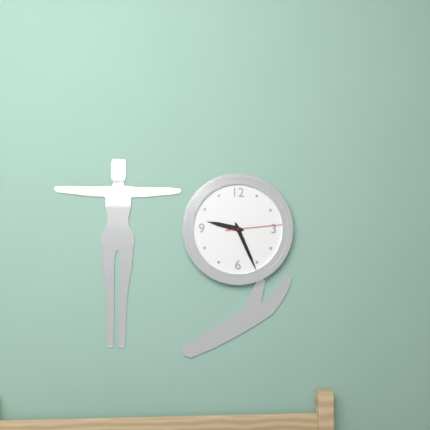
9:26:14
